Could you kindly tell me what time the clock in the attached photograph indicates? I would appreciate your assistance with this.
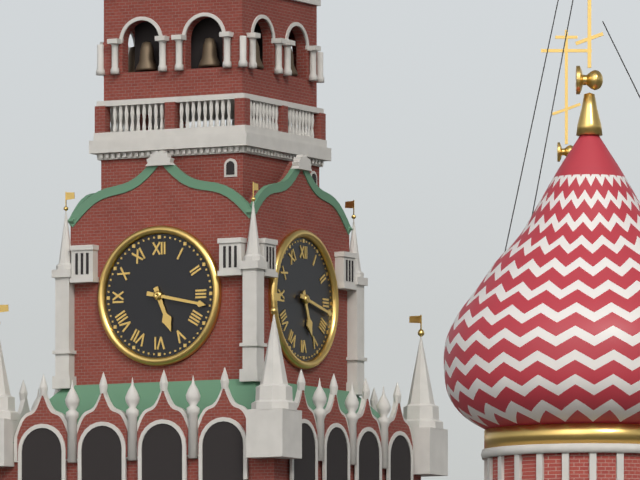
5:17
